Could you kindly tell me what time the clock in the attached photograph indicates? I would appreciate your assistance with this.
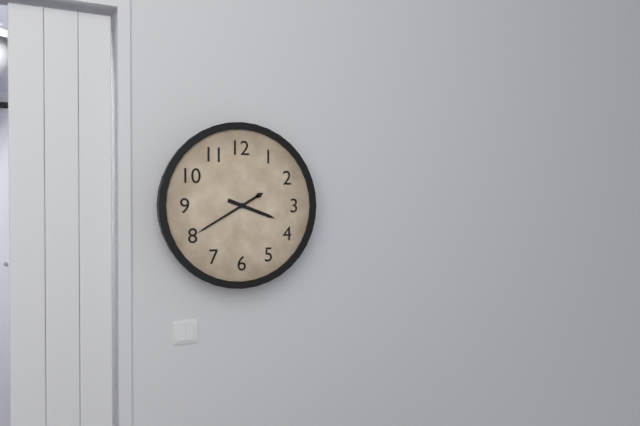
3:40
